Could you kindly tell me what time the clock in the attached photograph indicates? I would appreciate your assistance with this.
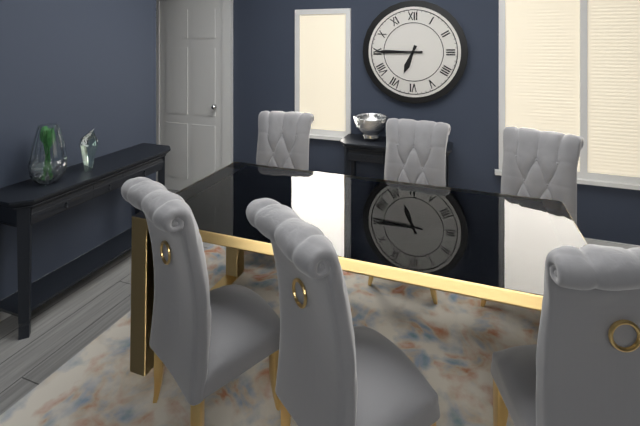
6:45
